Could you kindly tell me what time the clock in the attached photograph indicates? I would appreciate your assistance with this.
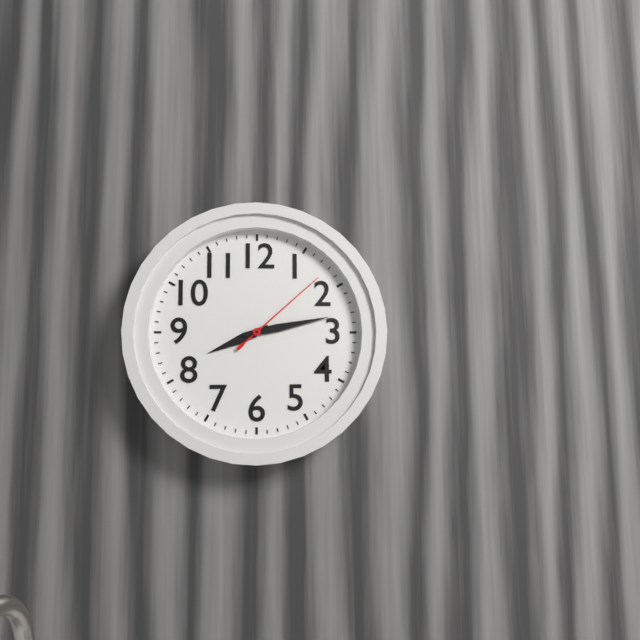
8:13:08
